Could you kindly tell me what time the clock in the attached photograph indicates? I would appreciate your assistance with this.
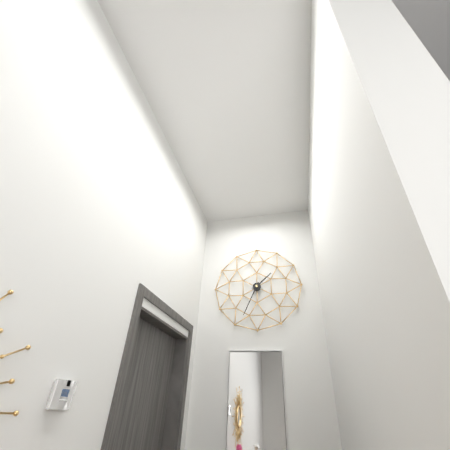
1:34
